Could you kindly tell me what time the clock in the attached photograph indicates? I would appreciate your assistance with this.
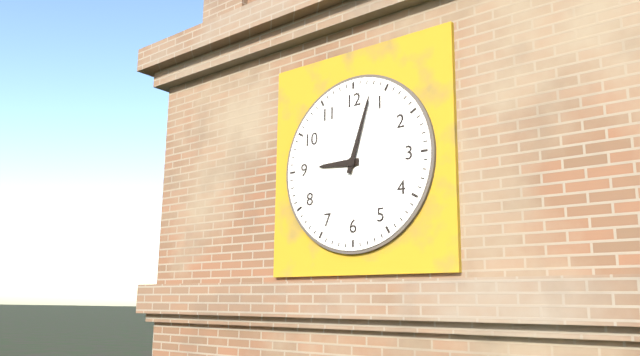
9:03
